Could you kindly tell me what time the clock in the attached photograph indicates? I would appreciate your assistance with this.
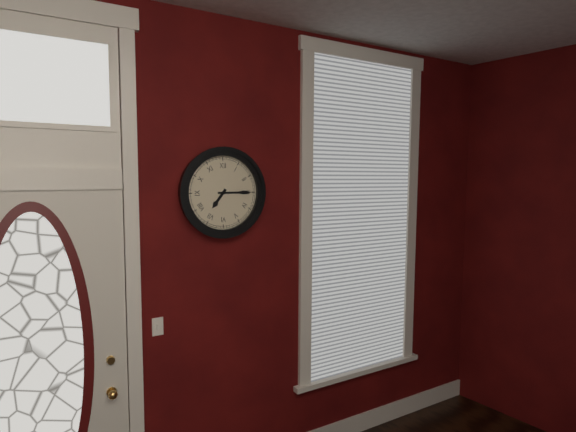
7:15
